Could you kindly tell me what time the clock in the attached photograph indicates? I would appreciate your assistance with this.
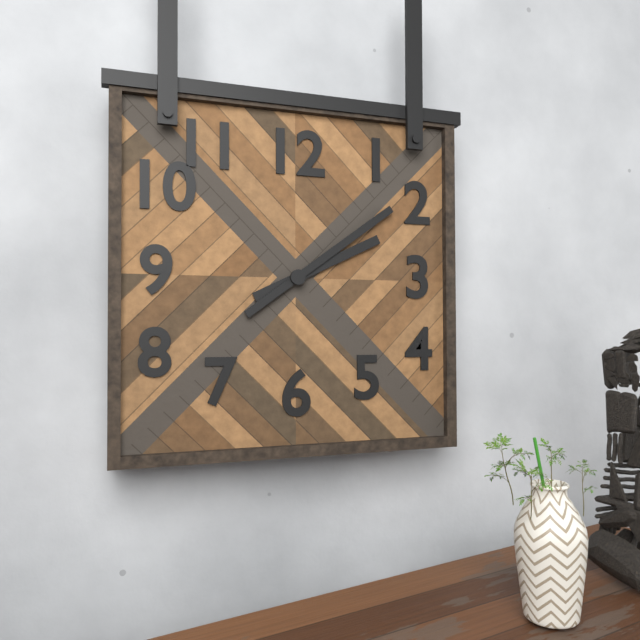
2:09
